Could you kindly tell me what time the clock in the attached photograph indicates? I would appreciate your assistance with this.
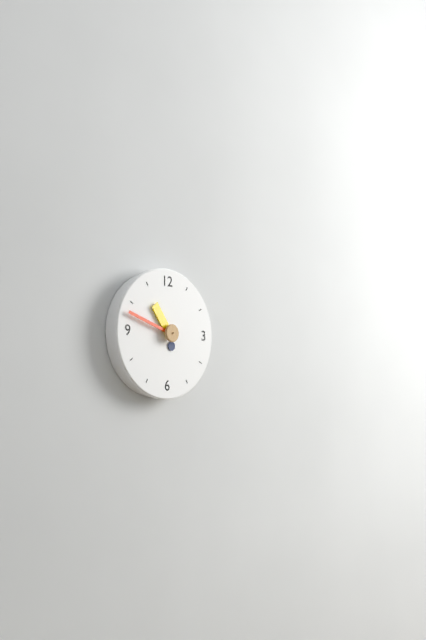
10:48
